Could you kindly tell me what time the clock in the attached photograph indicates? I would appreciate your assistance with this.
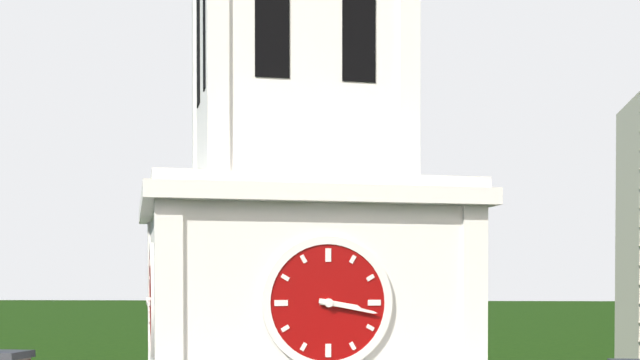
3:17
